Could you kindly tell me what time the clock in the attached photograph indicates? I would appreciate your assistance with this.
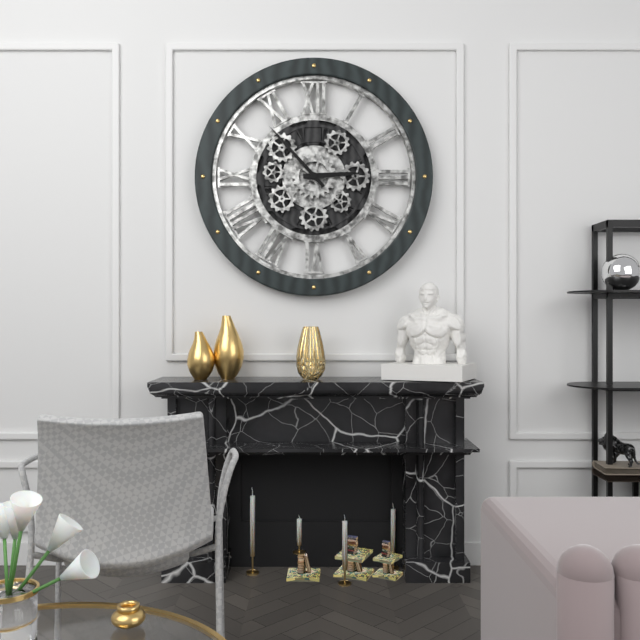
2:53
